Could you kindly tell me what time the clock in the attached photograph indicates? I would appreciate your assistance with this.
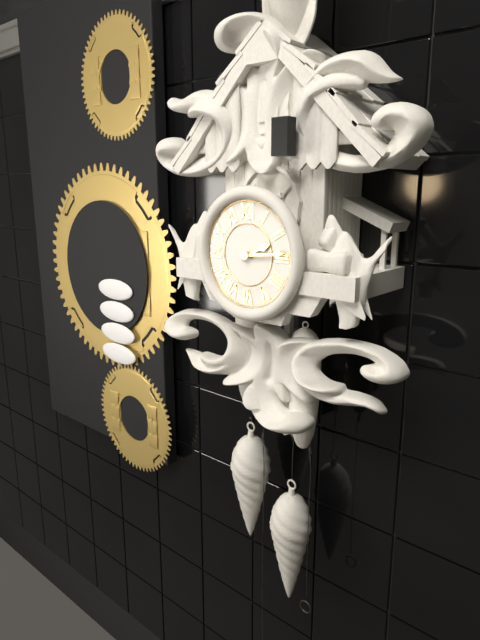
2:14
